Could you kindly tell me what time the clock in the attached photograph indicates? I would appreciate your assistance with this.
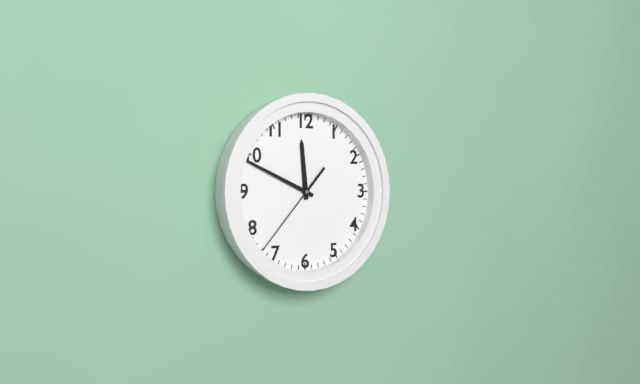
11:49:37
